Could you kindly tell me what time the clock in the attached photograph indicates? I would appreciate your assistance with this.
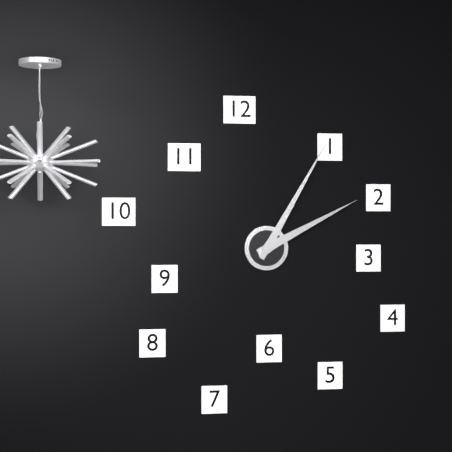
2:05
